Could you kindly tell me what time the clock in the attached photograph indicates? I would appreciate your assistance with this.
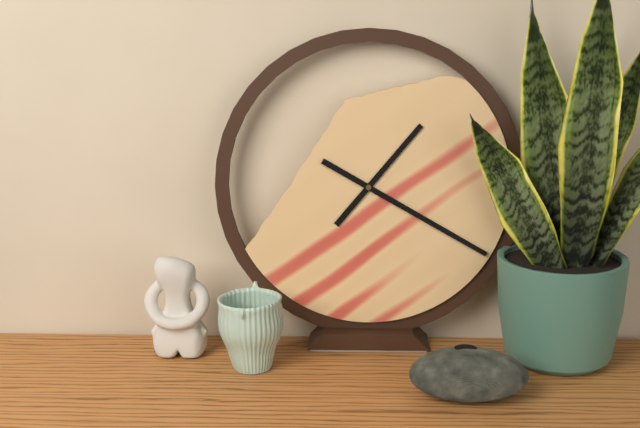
1:20
